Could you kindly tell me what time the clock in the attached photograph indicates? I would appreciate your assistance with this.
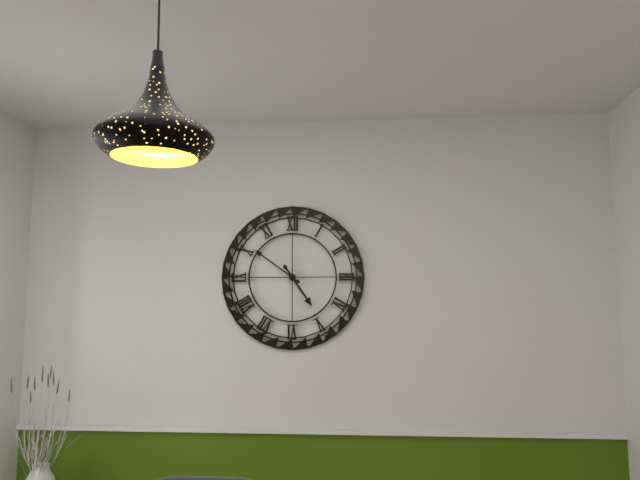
4:51
